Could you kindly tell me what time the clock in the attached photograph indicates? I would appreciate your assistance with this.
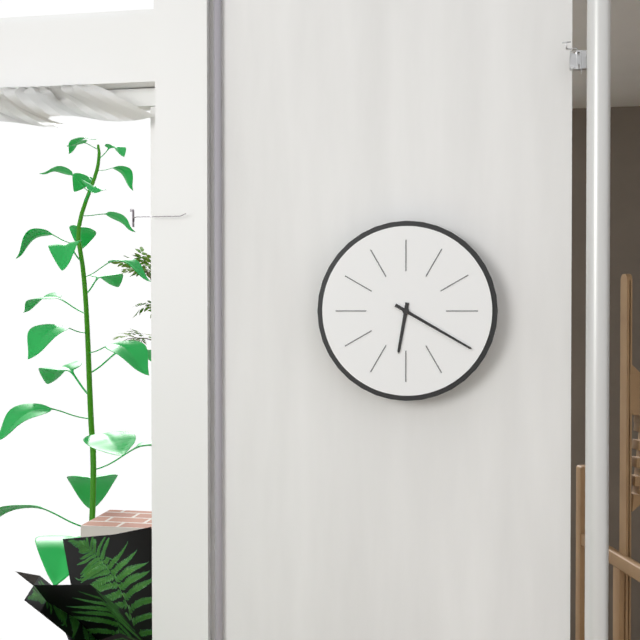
6:20
